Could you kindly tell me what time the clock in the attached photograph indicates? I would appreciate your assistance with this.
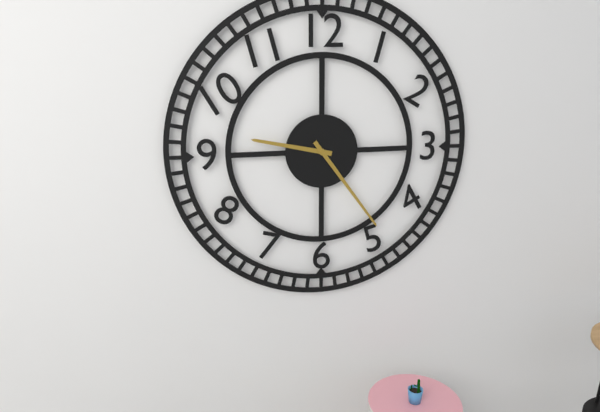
9:24
